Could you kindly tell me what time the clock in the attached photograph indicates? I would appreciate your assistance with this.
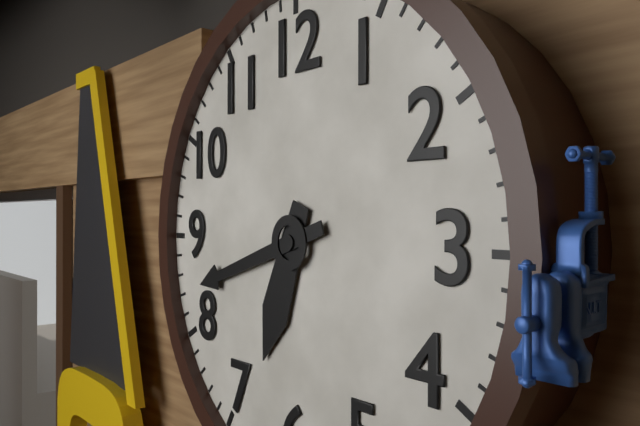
6:42
